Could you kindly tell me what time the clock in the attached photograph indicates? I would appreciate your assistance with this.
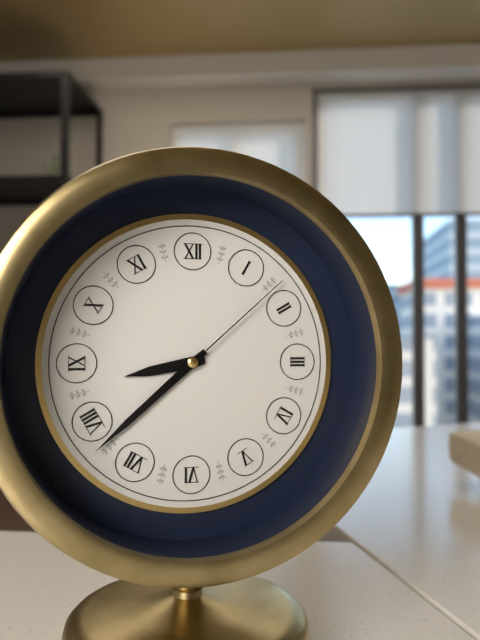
8:38:08
